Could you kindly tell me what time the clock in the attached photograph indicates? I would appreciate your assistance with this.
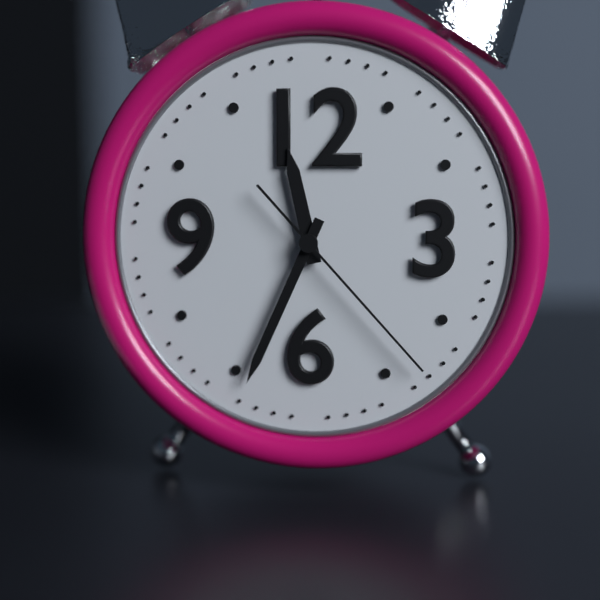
11:34:23
